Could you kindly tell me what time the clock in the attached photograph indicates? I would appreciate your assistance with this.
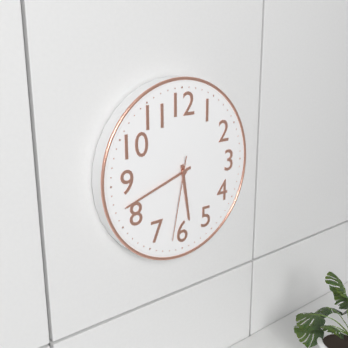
5:42:32
